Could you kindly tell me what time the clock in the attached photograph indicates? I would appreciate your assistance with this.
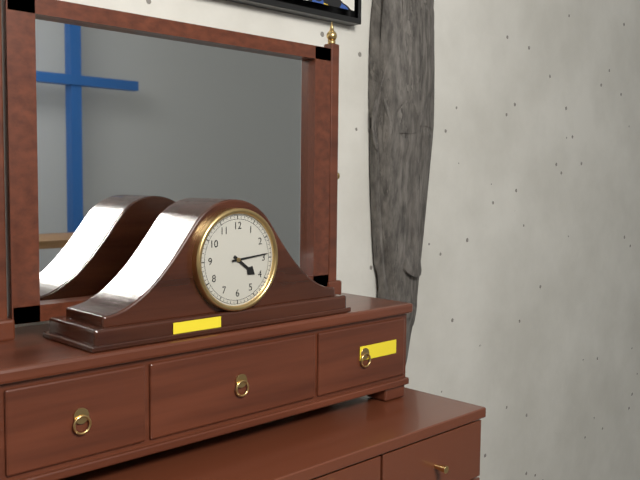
4:14
